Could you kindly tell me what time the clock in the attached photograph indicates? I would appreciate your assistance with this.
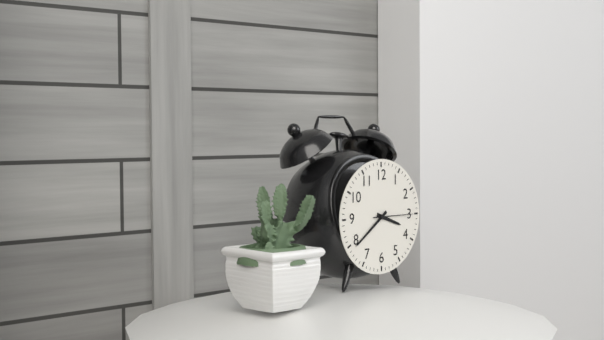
3:39
